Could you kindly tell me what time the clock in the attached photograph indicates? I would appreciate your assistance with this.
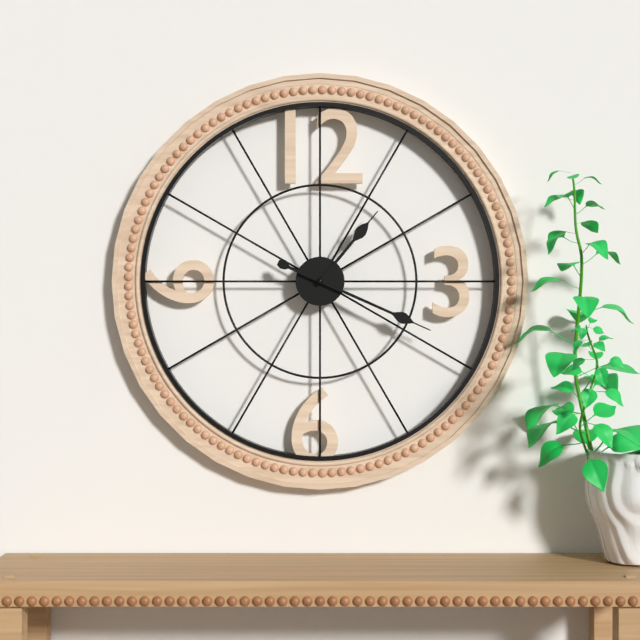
1:19
